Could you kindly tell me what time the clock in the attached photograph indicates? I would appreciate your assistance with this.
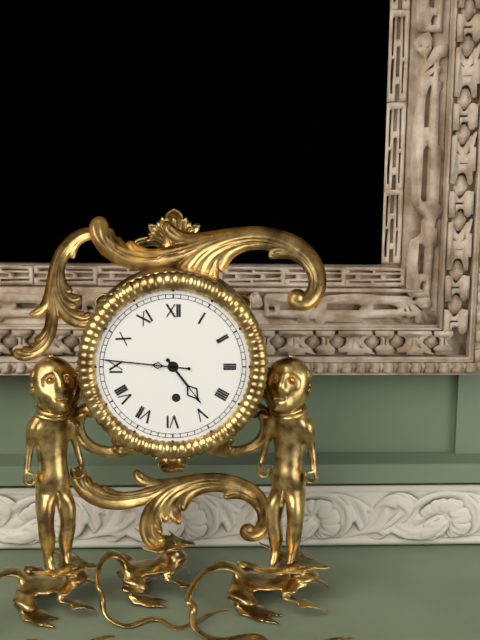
4:46
